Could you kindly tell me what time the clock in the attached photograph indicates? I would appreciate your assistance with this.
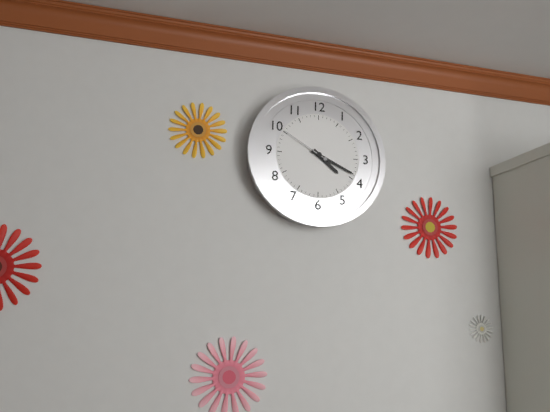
4:19:50
